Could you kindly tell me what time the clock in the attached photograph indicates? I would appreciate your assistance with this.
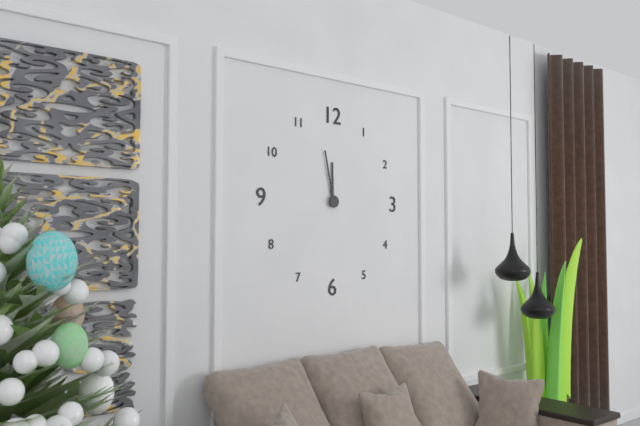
11:58
